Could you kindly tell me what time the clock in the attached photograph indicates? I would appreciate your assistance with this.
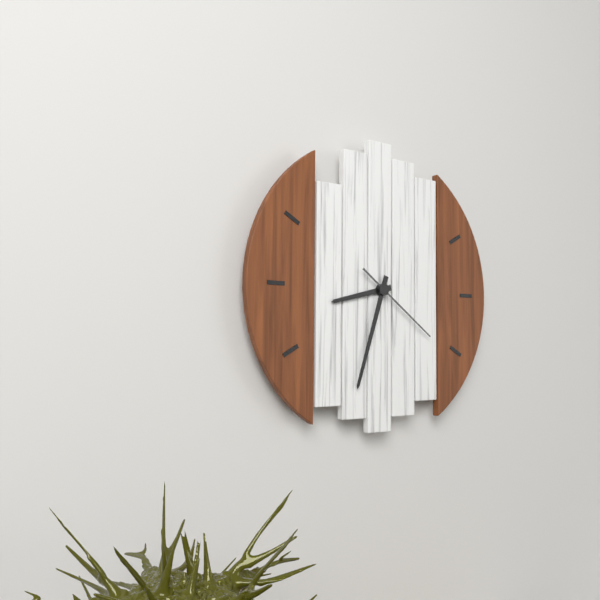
8:33:21
